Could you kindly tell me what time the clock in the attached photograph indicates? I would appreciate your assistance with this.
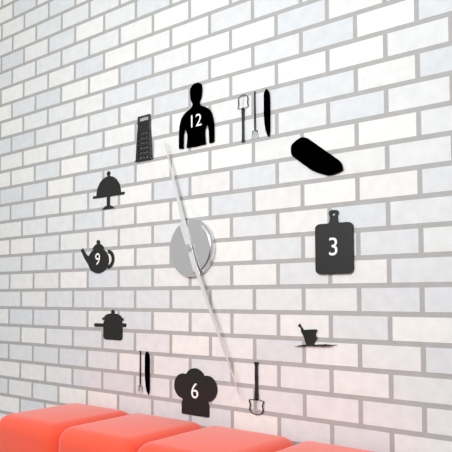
11:26
